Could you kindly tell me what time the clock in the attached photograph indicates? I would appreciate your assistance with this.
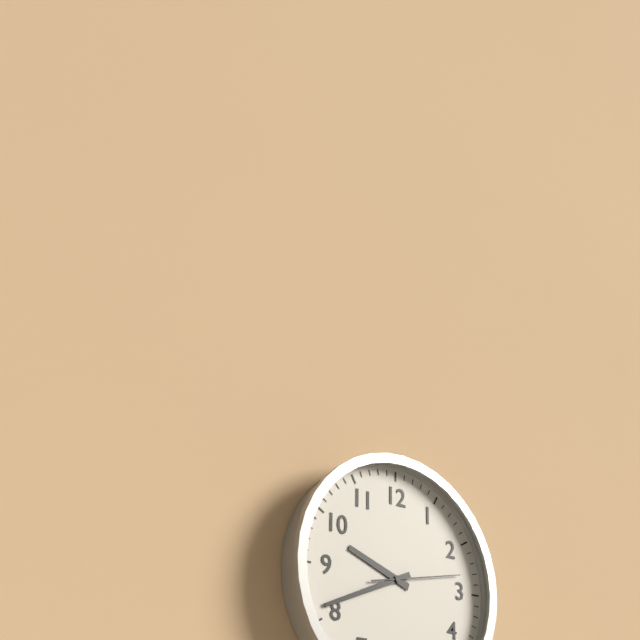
9:41:13
